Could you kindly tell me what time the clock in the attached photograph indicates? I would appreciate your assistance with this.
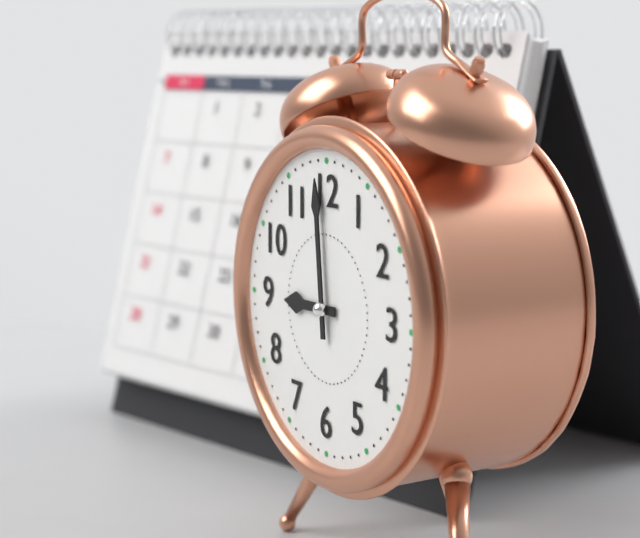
8:59
